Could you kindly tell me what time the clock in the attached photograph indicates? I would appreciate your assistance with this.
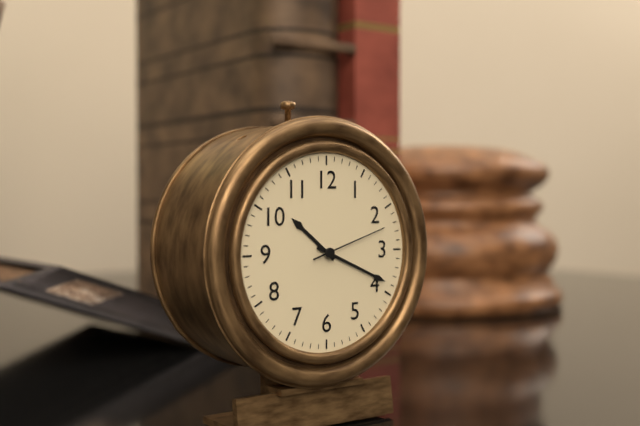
10:19:12
